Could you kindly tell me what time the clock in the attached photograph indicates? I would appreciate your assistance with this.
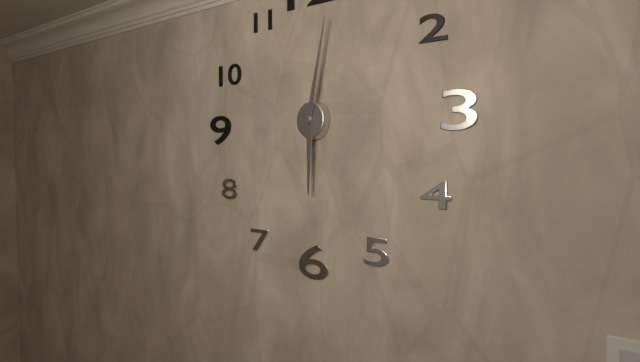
6:02
